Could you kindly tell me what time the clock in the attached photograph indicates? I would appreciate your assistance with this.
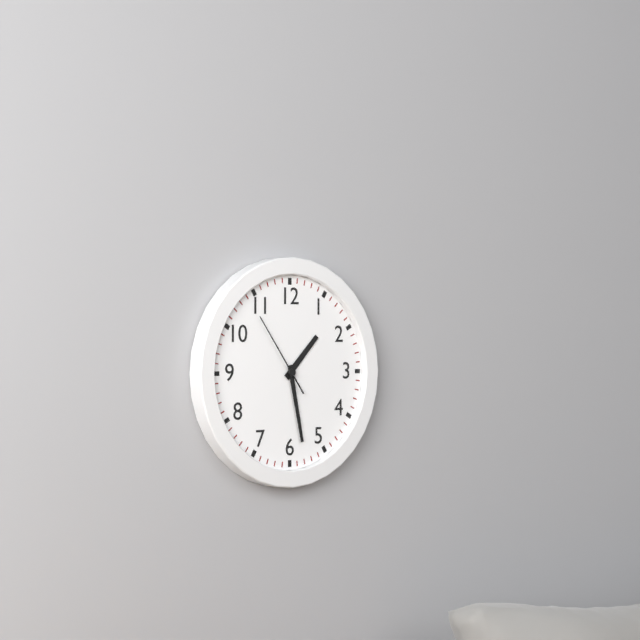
1:28:54
